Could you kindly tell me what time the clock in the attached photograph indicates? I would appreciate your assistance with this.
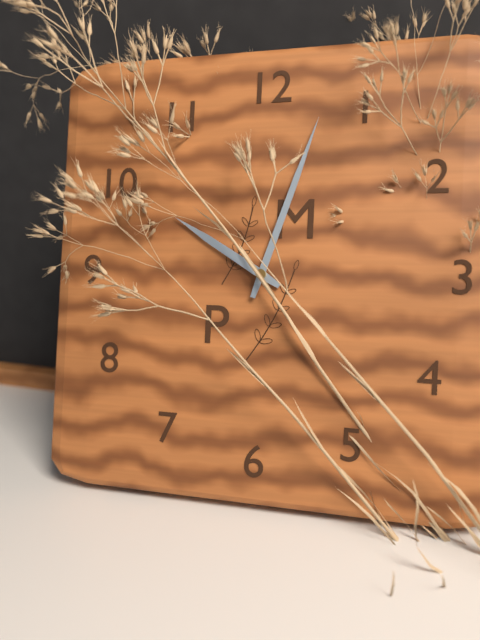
10:03
